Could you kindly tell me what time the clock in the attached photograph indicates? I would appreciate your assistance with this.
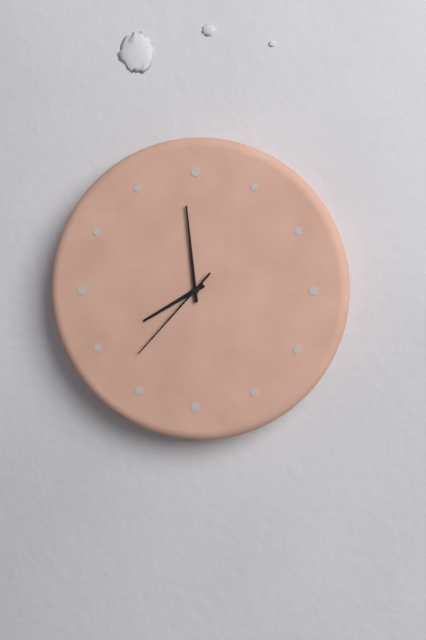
7:59:37
